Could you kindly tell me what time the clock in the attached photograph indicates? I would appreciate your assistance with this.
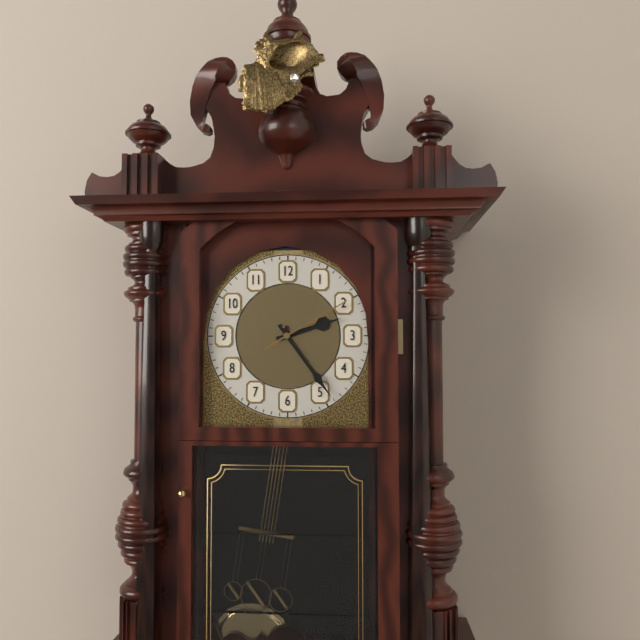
2:24:10
